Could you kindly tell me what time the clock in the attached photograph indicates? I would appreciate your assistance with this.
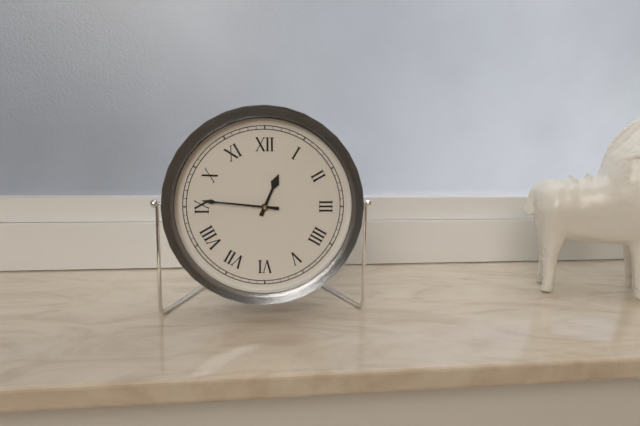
12:46
